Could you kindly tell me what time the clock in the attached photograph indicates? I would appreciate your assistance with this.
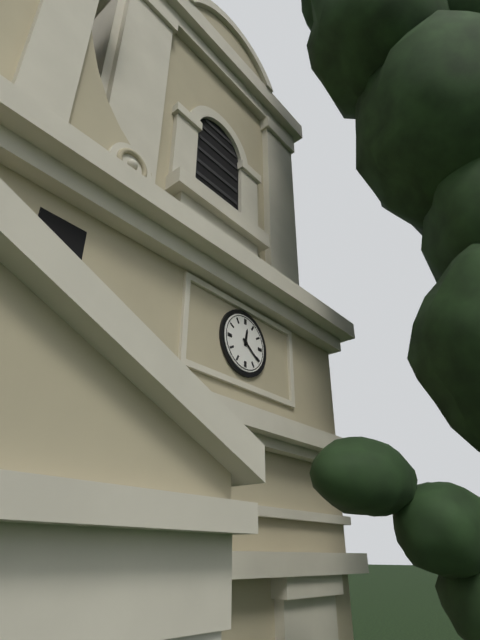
12:21
